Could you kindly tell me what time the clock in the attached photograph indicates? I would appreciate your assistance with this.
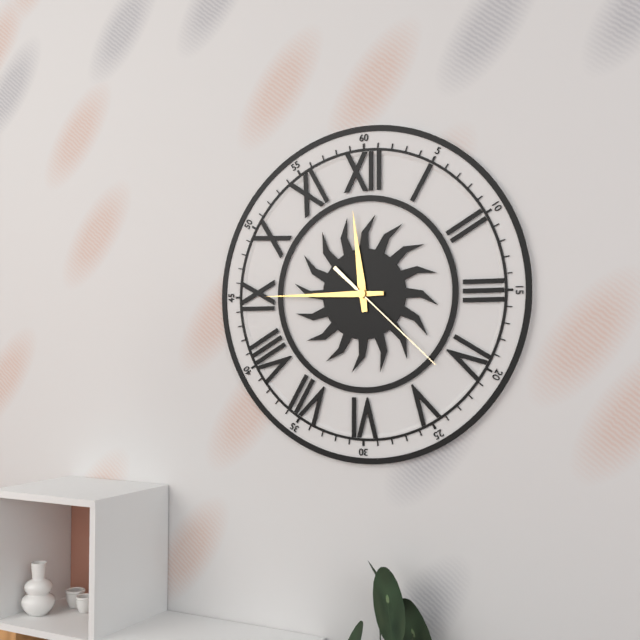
11:45:22
